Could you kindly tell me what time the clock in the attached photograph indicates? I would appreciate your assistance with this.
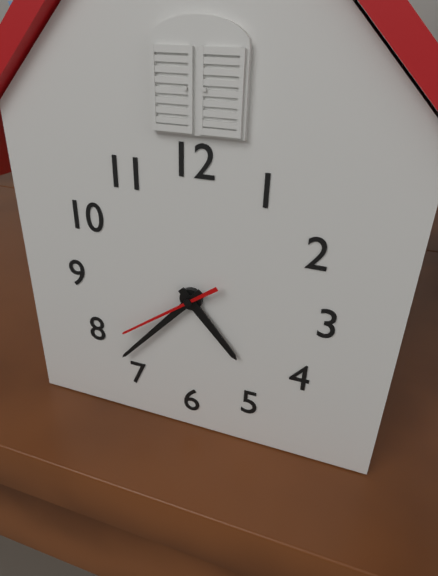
4:37:39
